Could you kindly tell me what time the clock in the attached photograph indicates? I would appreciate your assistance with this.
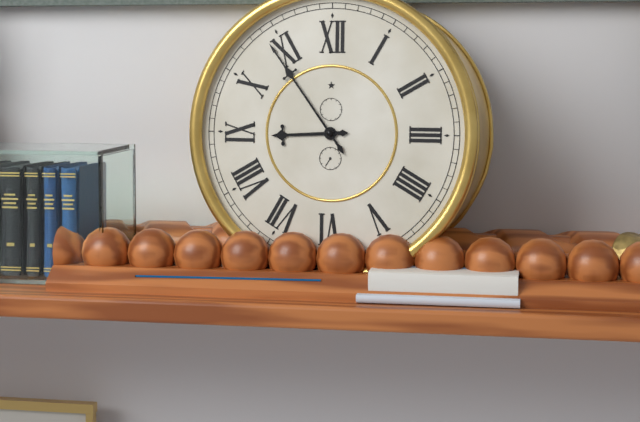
8:54
